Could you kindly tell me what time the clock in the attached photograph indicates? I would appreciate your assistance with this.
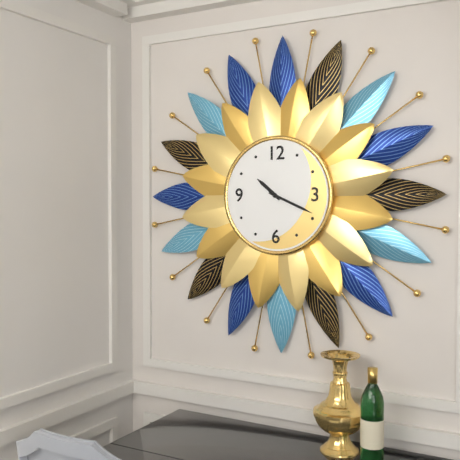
10:19
